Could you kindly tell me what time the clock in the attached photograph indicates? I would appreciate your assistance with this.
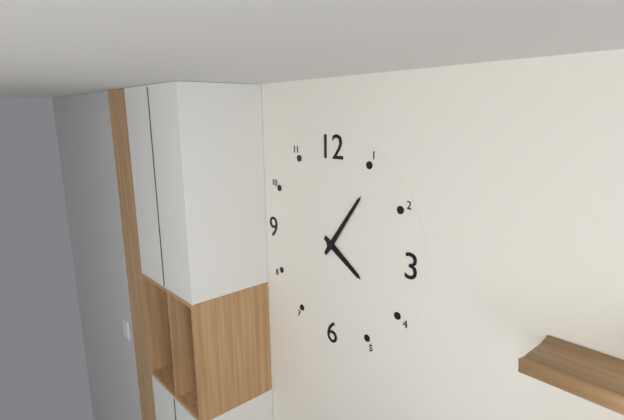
4:06
